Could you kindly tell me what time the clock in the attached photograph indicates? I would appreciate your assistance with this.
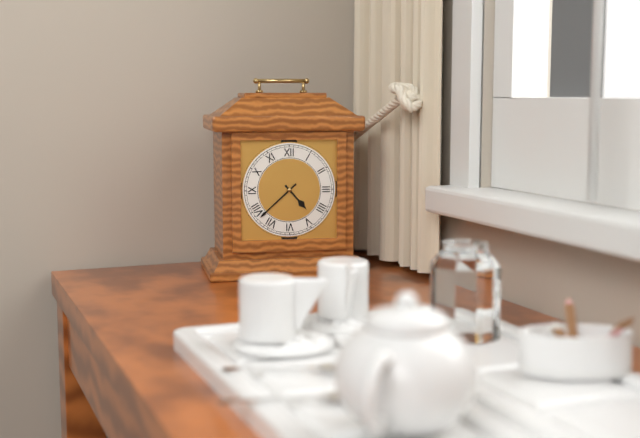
4:38
